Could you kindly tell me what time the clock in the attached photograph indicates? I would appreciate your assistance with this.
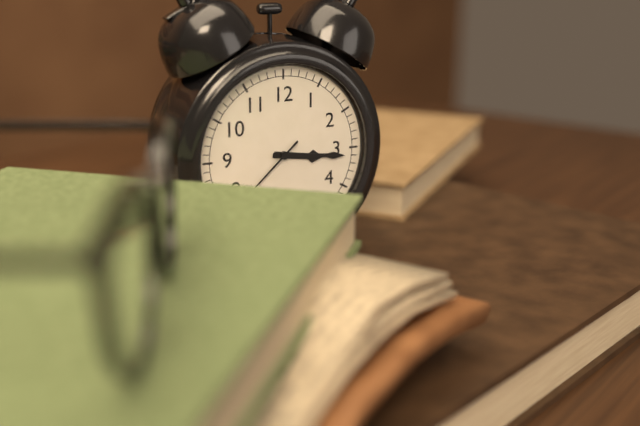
3:16
